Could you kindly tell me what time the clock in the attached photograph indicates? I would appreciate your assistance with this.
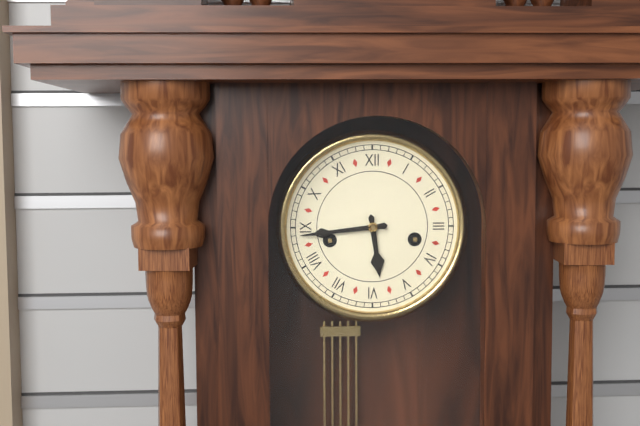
5:44
